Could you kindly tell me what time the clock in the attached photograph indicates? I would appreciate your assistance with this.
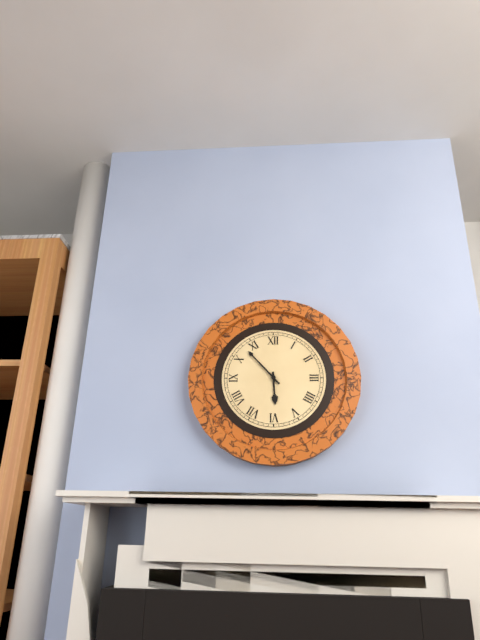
5:53
